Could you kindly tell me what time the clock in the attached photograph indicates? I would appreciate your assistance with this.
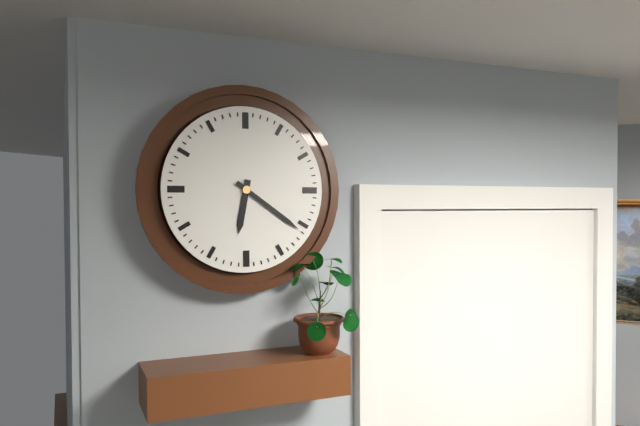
6:21
